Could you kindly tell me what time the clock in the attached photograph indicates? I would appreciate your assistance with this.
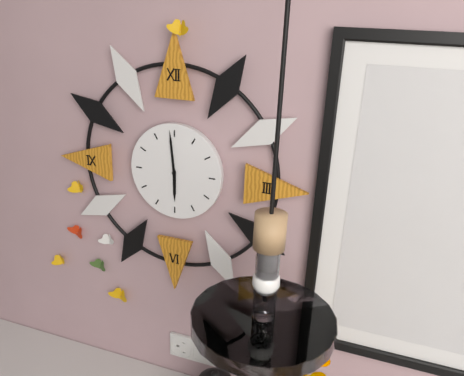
5:59
